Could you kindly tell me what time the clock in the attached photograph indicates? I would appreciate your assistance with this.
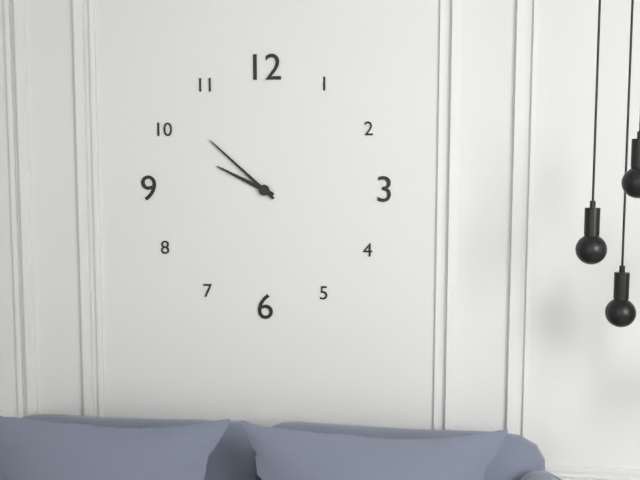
9:52
